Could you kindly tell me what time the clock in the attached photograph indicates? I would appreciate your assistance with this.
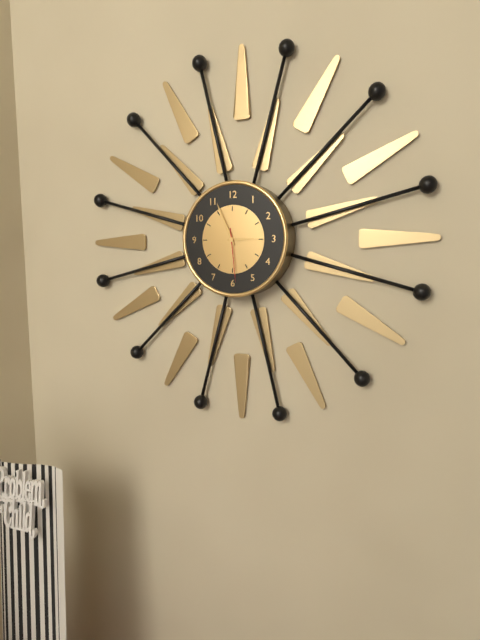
2:56:29
